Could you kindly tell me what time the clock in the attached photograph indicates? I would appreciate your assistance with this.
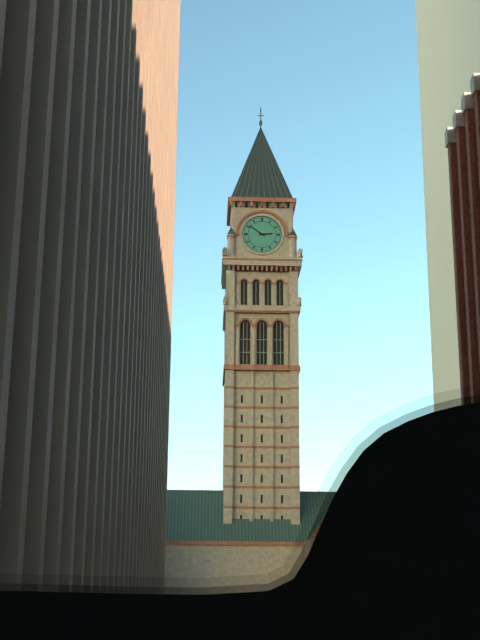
2:51
